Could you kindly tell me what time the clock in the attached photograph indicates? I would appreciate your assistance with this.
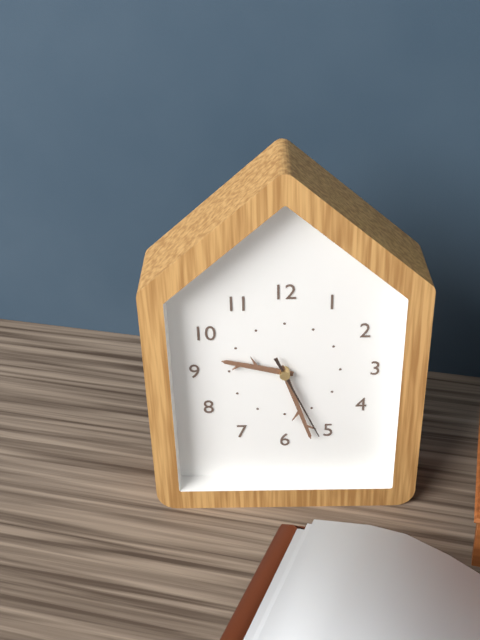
9:27:26
